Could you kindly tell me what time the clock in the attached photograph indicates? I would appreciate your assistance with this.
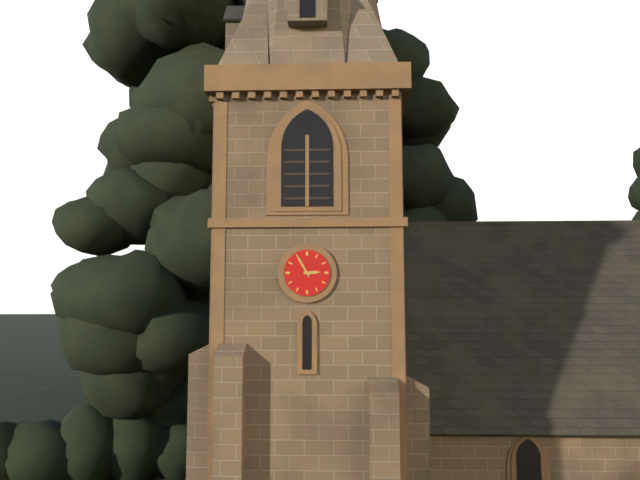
2:55
